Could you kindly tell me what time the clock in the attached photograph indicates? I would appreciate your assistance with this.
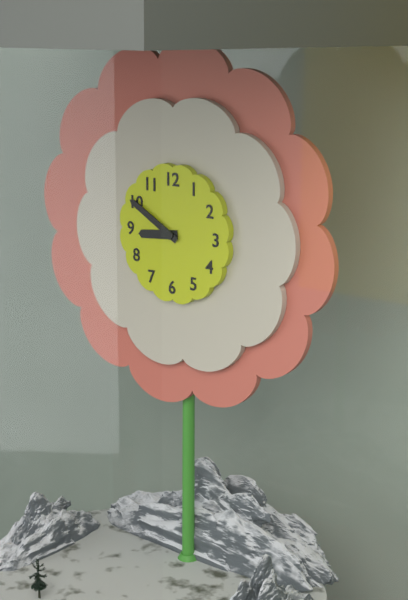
8:50
